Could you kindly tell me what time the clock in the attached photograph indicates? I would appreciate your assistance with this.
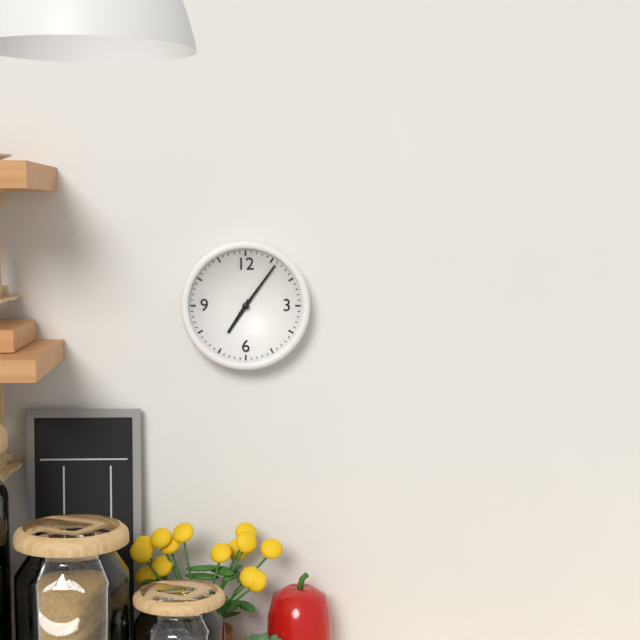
7:06
